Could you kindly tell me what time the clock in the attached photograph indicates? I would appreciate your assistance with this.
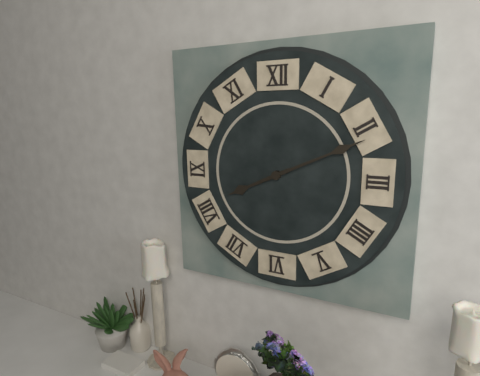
8:11
